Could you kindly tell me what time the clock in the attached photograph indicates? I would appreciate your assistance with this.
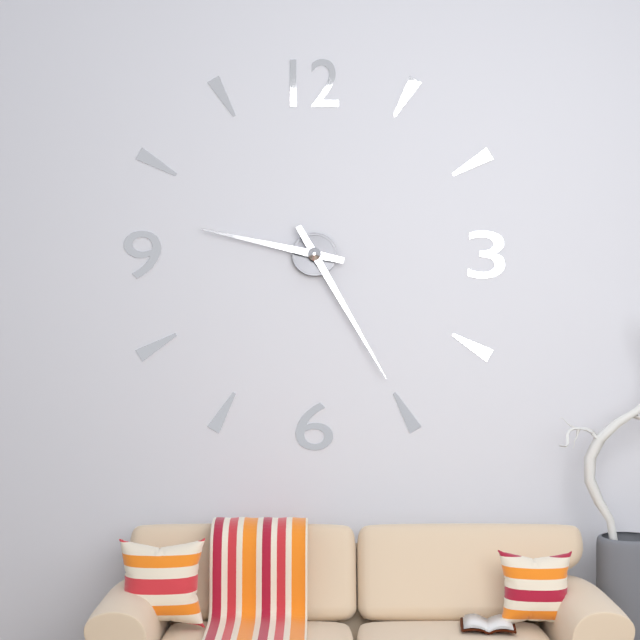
9:25
